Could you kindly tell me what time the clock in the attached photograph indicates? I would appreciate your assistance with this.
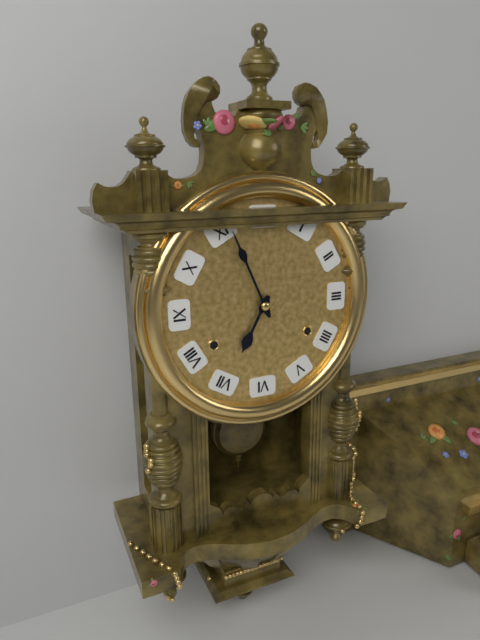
6:56
